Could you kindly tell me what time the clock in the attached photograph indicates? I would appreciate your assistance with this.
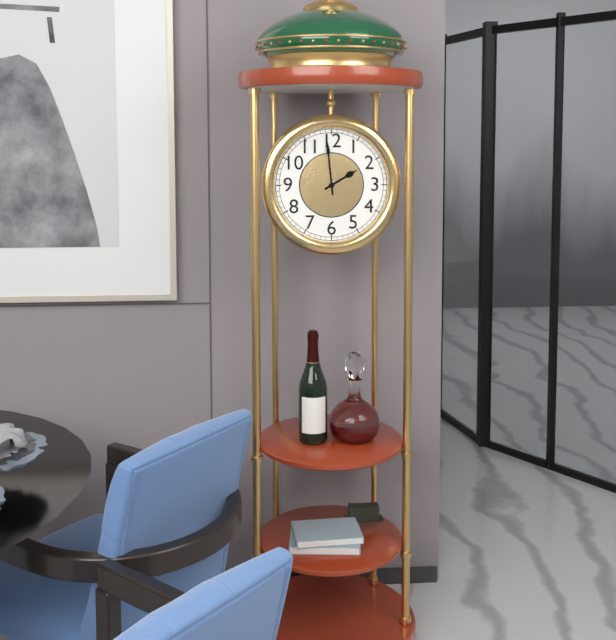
1:59
